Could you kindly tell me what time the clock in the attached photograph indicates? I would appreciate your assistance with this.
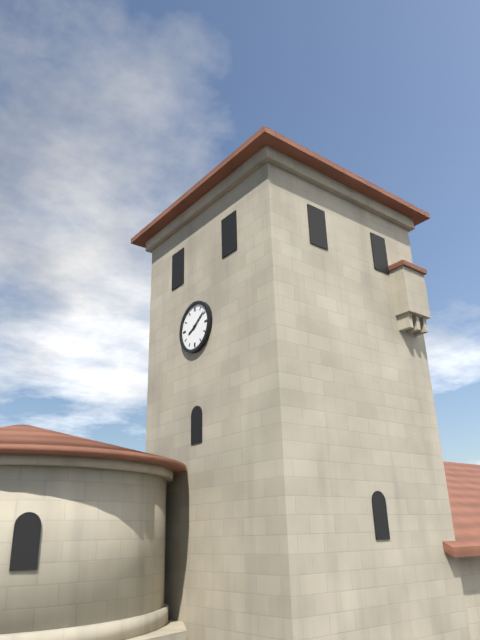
8:09
